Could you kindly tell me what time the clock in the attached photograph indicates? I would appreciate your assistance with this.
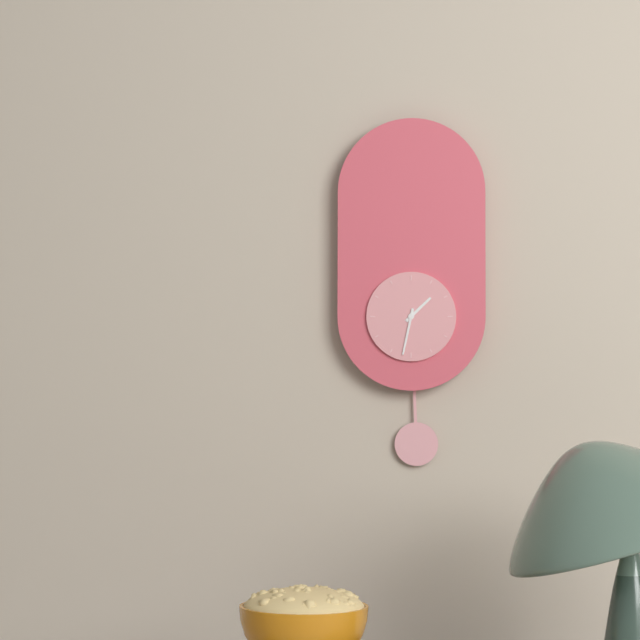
1:32
